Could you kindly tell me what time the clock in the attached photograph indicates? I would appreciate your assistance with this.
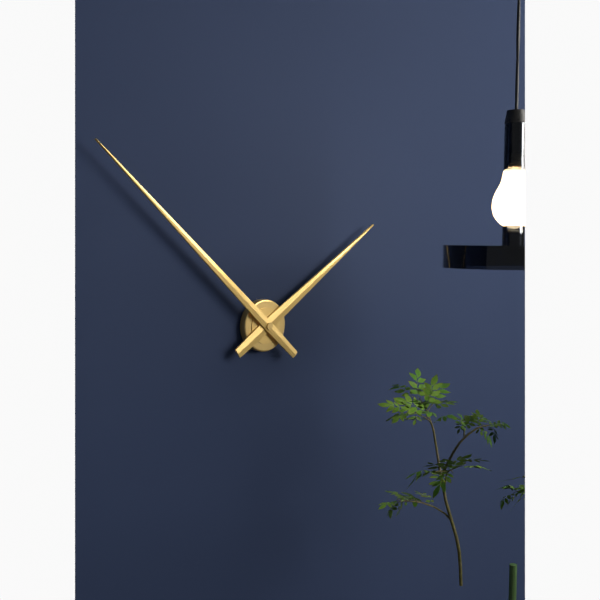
1:52
